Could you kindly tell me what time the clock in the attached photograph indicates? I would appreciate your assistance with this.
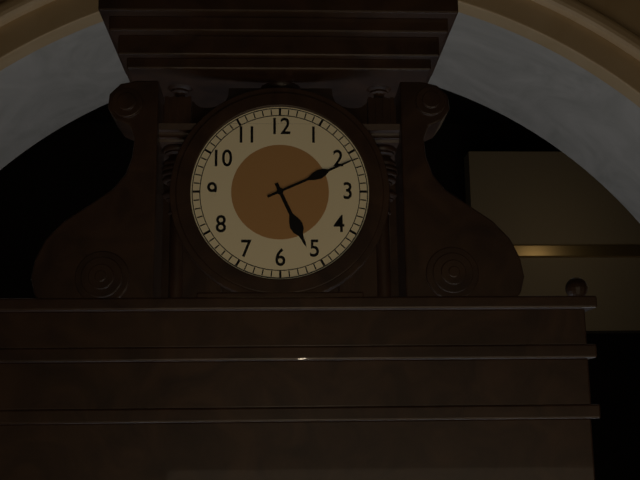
5:11
